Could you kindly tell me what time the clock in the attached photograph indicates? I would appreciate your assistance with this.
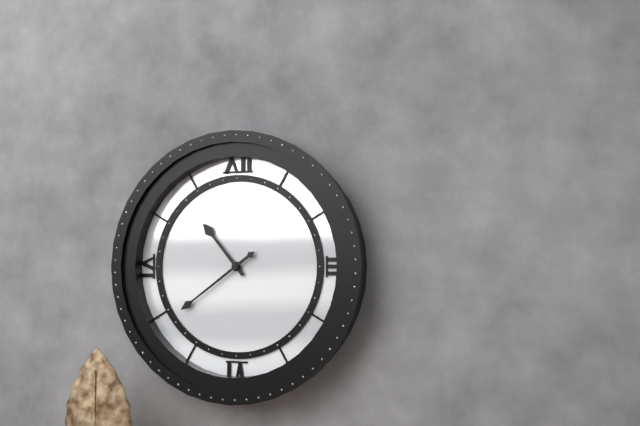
10:39
